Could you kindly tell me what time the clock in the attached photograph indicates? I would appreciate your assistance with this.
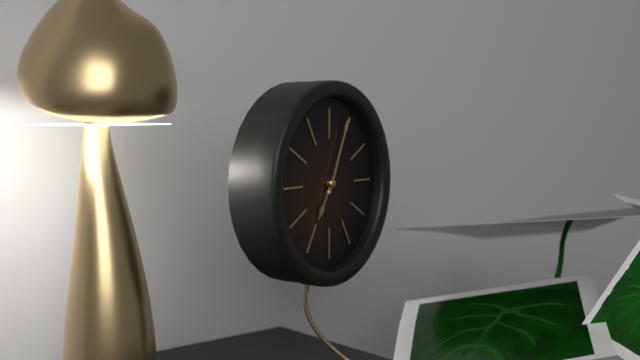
7:04
